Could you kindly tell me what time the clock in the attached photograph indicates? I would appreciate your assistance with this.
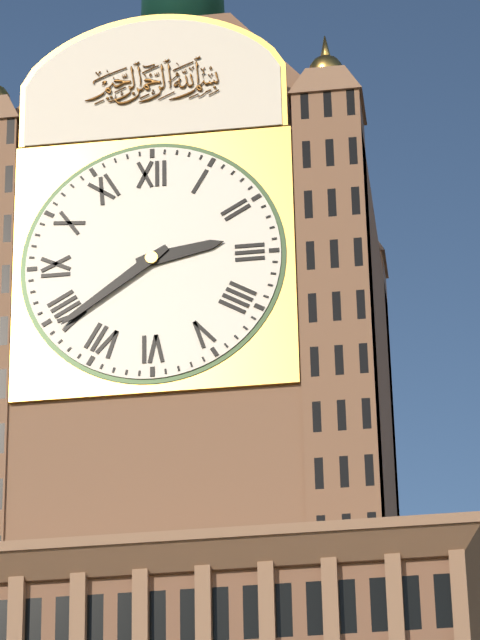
2:39
